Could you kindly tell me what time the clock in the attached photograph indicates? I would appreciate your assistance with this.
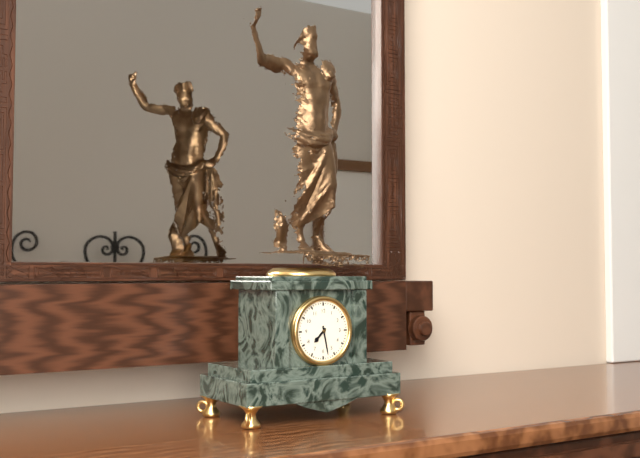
7:28
